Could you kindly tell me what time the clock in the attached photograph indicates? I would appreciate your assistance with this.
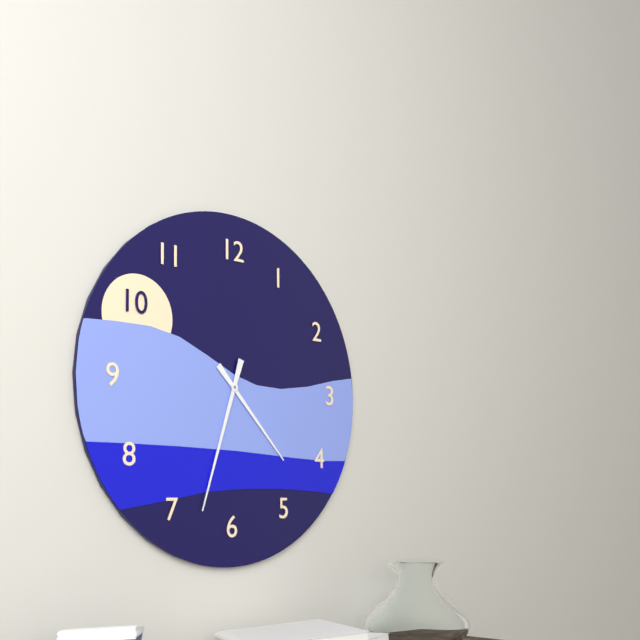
4:33
